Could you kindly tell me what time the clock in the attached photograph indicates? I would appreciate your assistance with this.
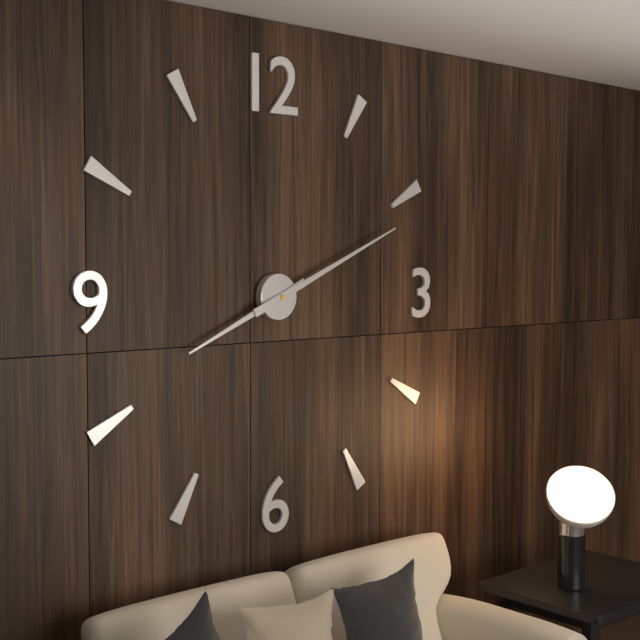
8:11
